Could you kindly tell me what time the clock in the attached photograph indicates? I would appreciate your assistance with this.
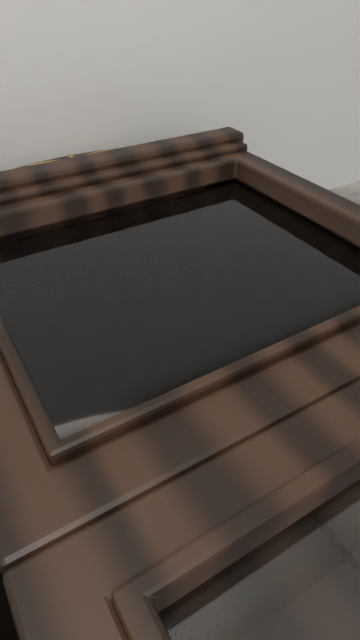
2:24
